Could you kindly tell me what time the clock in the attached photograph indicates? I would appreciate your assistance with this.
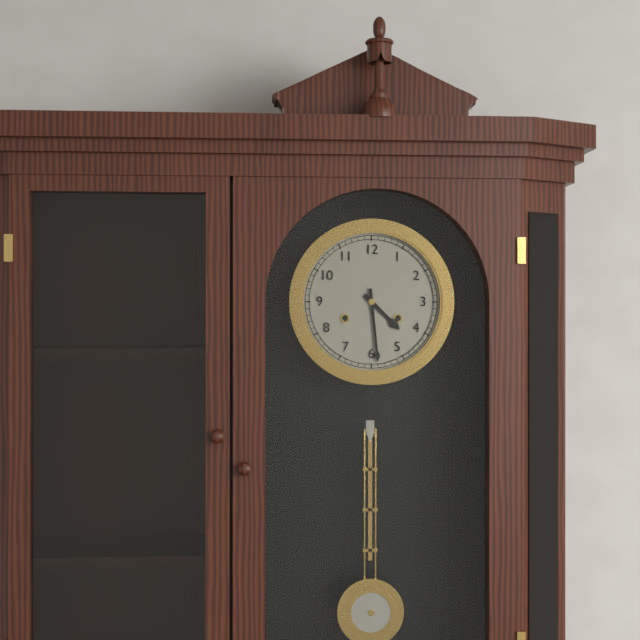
4:29
